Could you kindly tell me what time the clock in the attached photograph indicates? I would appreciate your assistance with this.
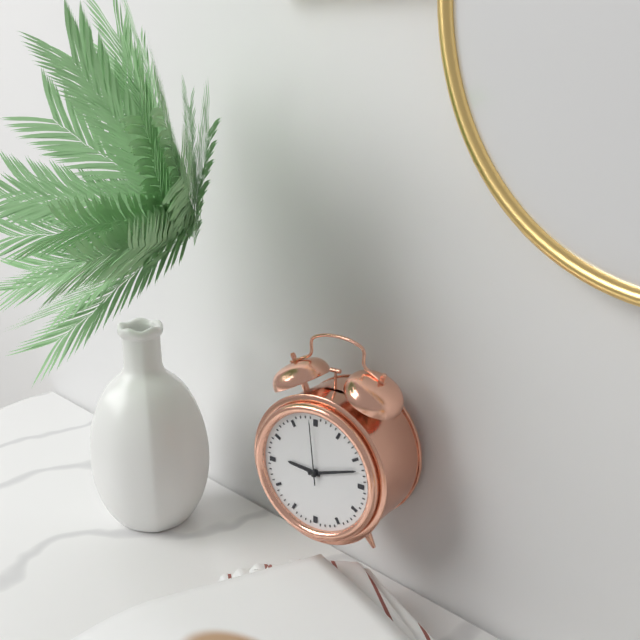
9:12:59
